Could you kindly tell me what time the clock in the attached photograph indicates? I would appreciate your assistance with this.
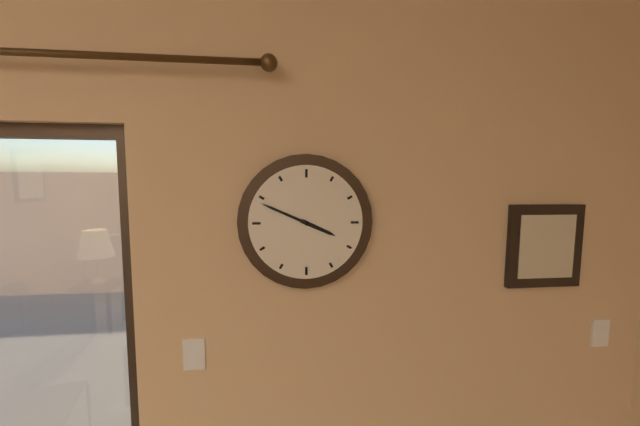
3:49
